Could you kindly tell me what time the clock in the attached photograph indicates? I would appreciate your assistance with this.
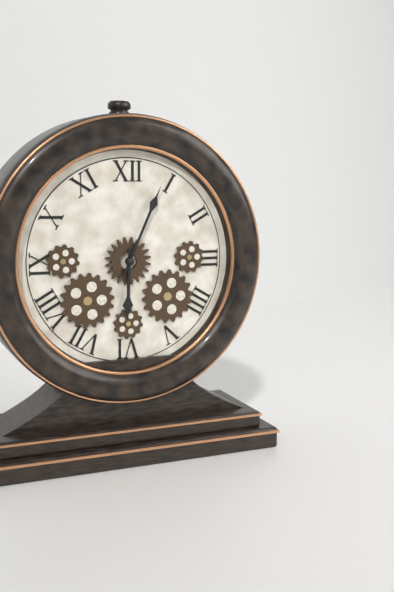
6:04
